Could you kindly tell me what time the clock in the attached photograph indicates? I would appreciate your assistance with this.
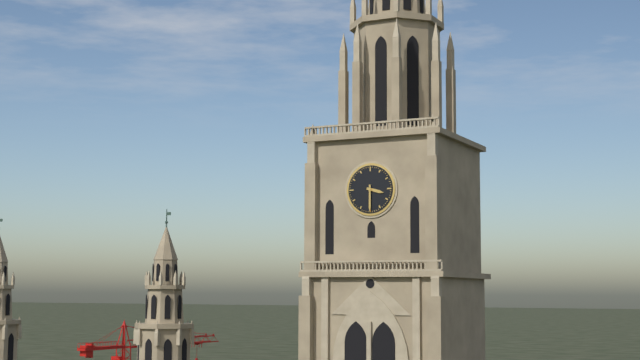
3:30
